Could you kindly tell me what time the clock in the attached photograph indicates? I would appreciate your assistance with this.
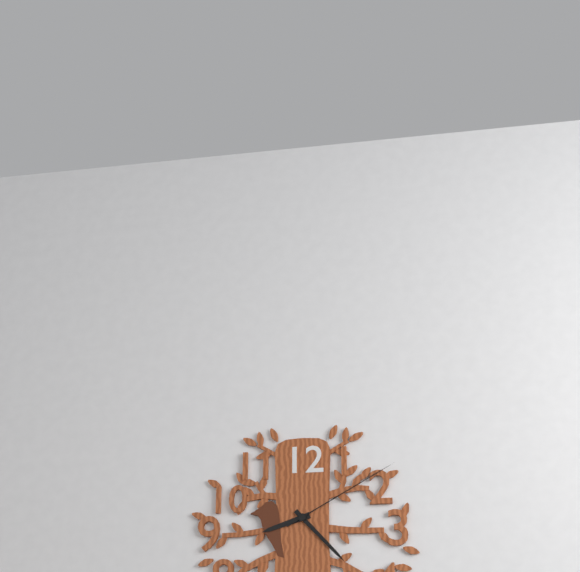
8:23:10
